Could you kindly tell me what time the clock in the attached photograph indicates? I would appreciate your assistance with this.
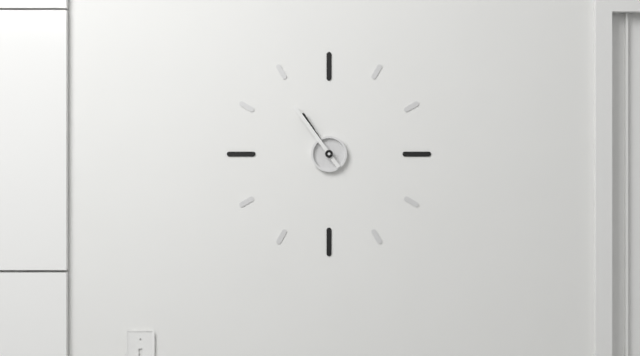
10:54
